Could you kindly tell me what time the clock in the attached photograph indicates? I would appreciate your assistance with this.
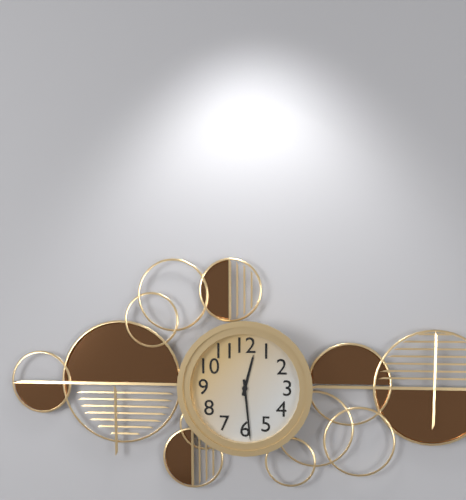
12:29
